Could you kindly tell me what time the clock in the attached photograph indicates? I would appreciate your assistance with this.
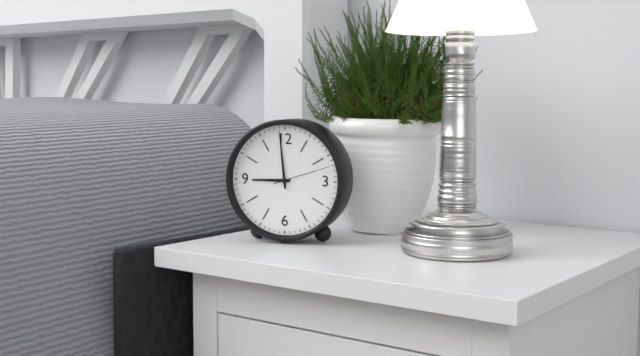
8:59:12
